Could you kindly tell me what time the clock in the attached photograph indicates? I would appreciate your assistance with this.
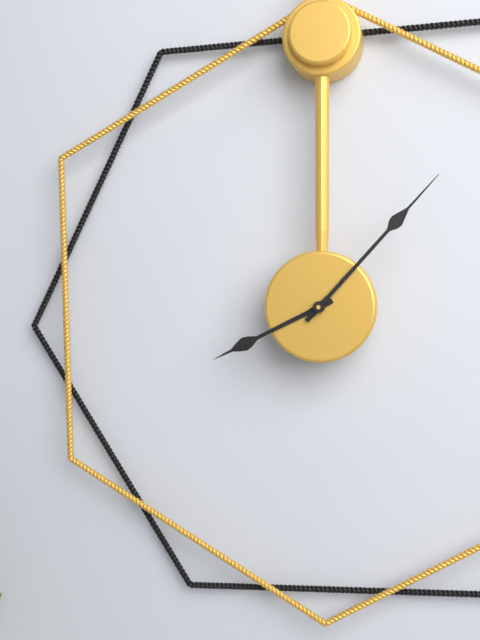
8:07
